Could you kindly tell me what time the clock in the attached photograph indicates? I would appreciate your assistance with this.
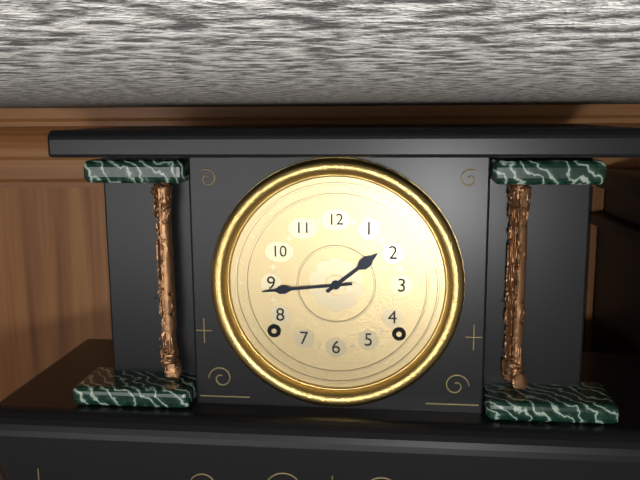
1:44
